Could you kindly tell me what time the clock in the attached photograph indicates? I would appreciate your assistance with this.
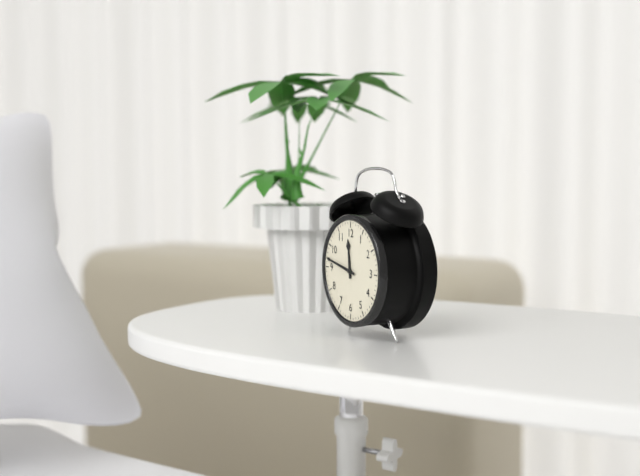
11:47
